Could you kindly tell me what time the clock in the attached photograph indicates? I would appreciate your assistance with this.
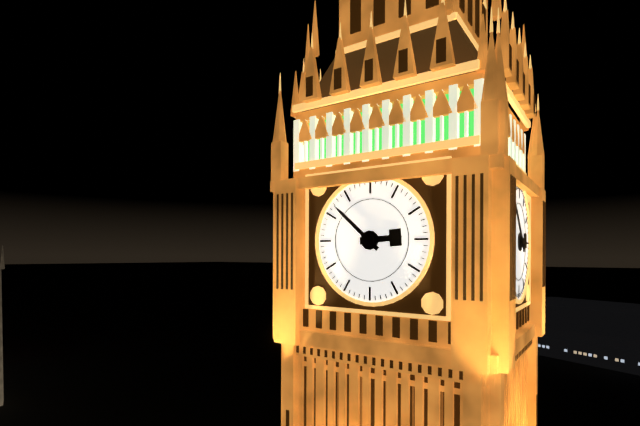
2:52
